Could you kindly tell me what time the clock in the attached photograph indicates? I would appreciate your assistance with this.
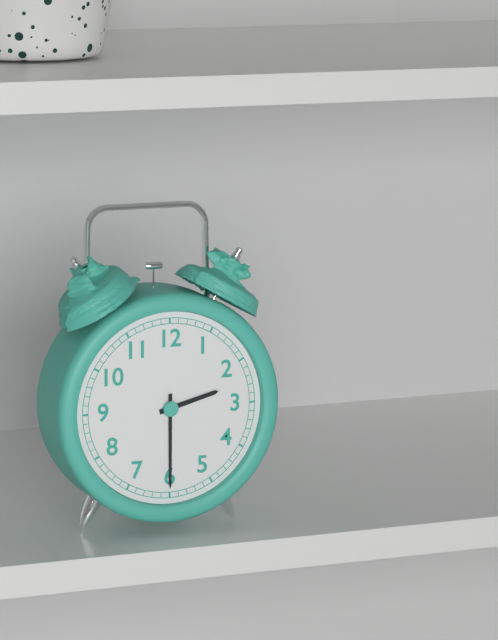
2:30
